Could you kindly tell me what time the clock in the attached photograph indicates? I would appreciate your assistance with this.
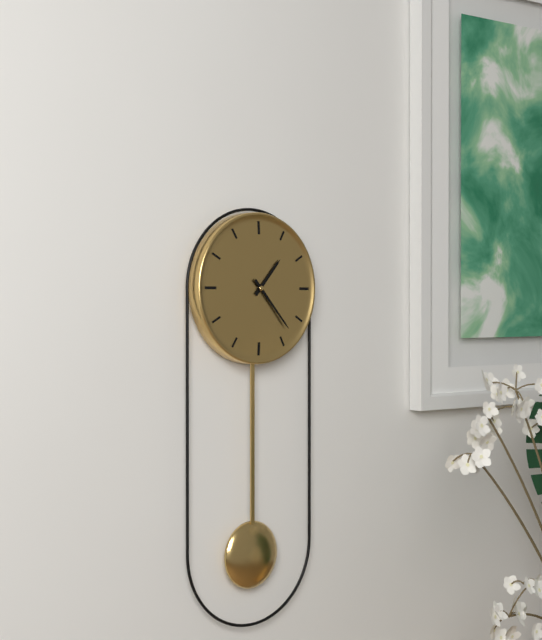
1:23
